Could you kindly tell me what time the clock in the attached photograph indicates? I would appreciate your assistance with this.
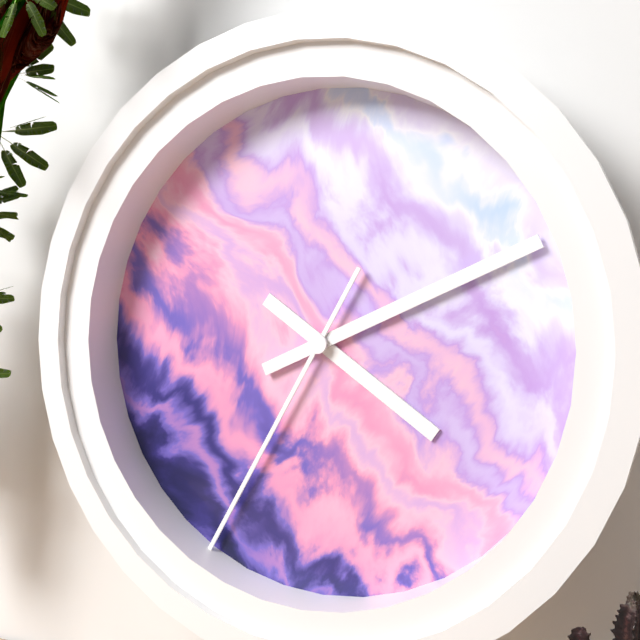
4:11:35
